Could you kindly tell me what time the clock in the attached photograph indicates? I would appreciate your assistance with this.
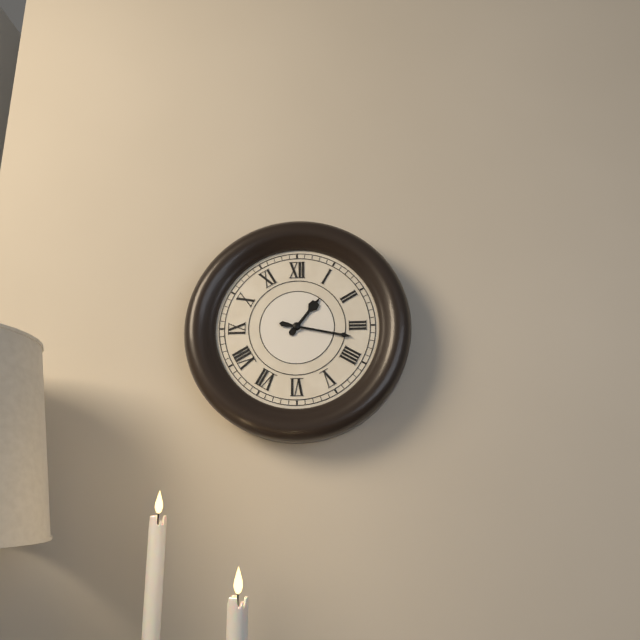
1:17
